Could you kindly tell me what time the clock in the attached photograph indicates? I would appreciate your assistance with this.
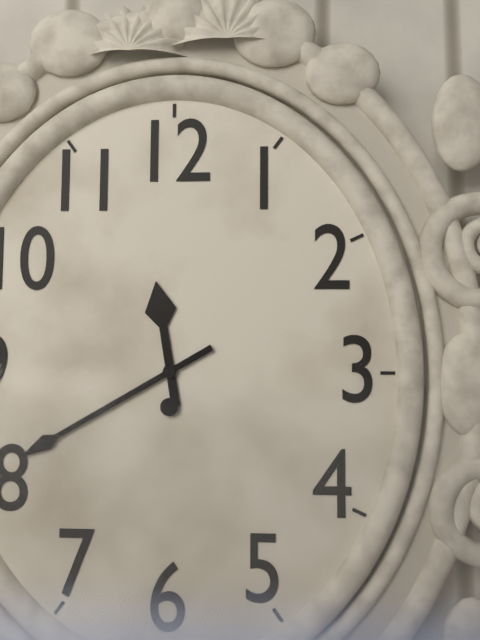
11:40
